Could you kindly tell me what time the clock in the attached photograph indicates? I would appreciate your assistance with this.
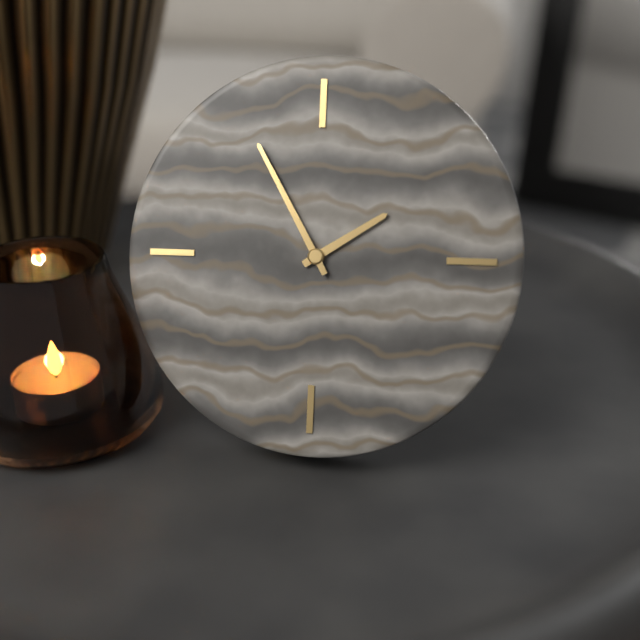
1:55
